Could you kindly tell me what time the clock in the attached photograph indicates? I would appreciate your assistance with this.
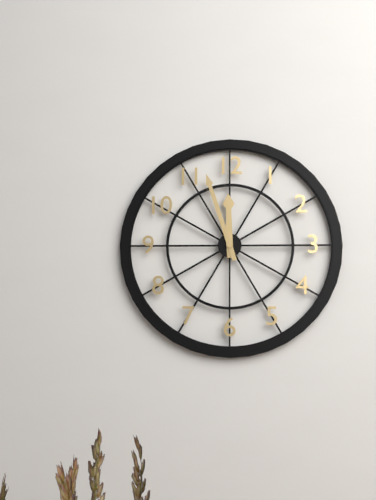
11:57
